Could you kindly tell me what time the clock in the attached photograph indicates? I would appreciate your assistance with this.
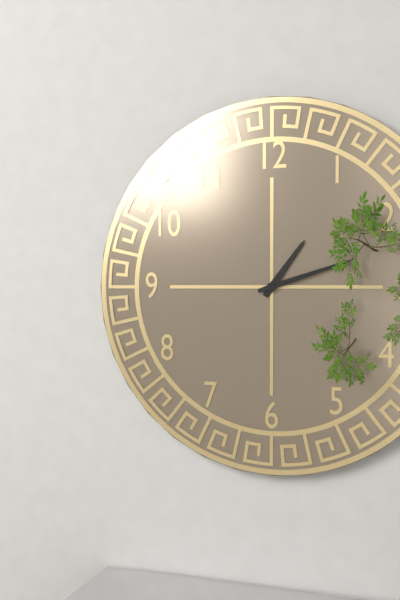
1:12
